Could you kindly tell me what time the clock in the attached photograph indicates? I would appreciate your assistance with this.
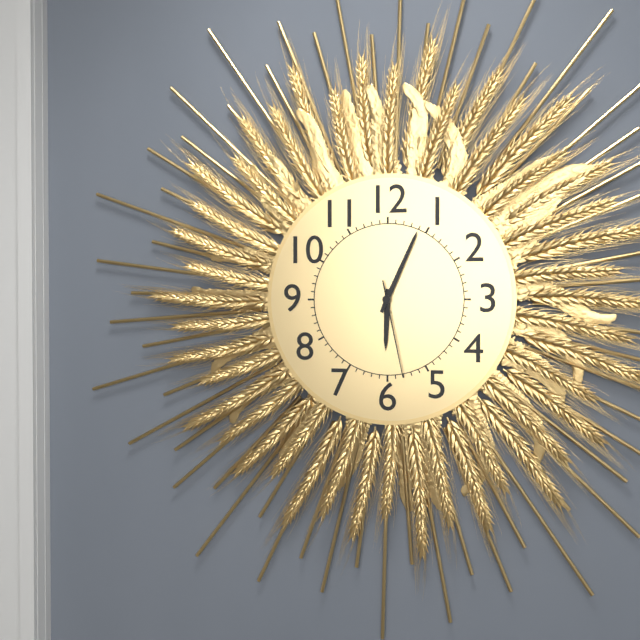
6:04:28
